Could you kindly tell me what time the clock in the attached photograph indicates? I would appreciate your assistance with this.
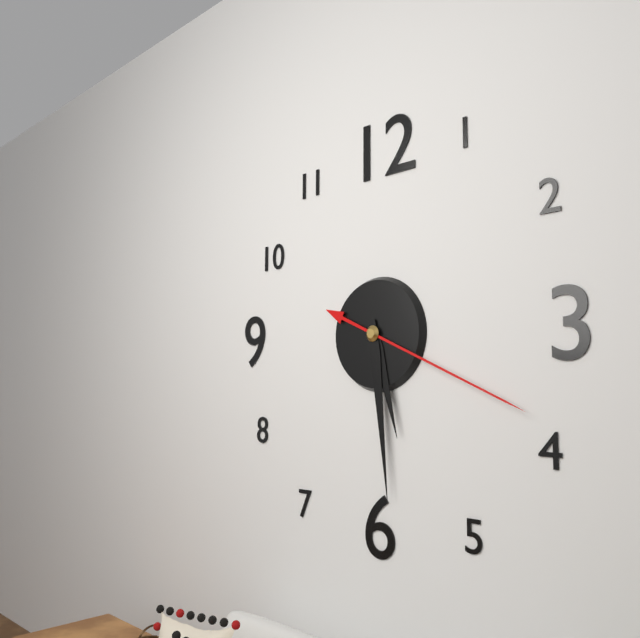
5:29:19
